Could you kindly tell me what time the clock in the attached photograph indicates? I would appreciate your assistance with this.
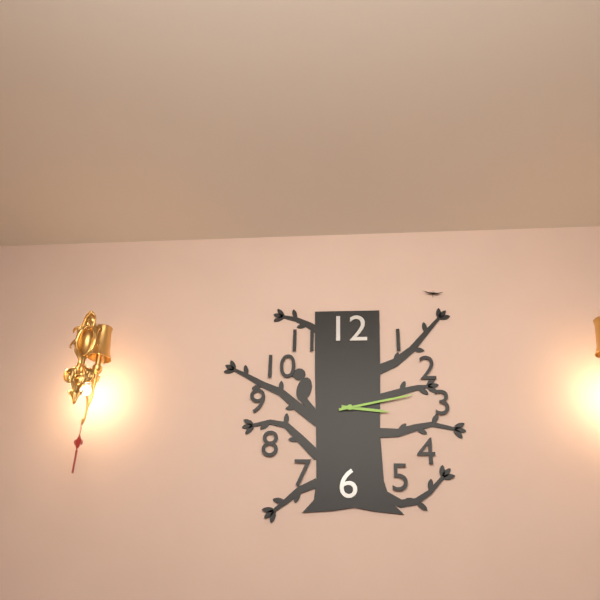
3:13
